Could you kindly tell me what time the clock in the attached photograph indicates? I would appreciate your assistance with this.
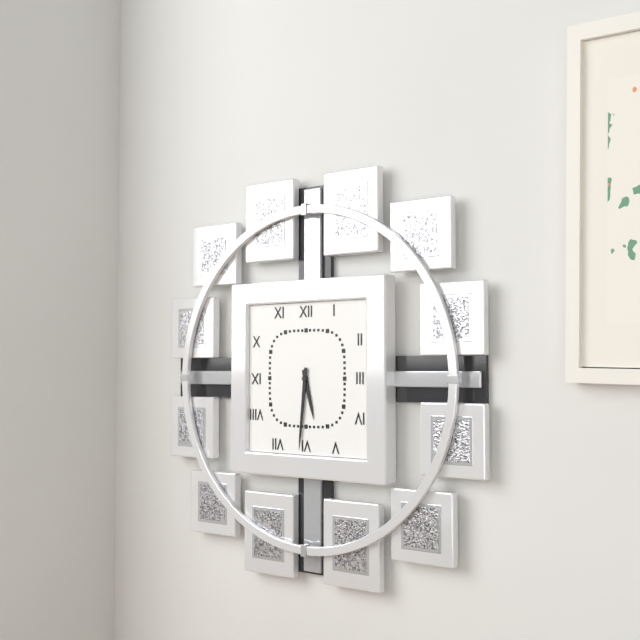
5:31
